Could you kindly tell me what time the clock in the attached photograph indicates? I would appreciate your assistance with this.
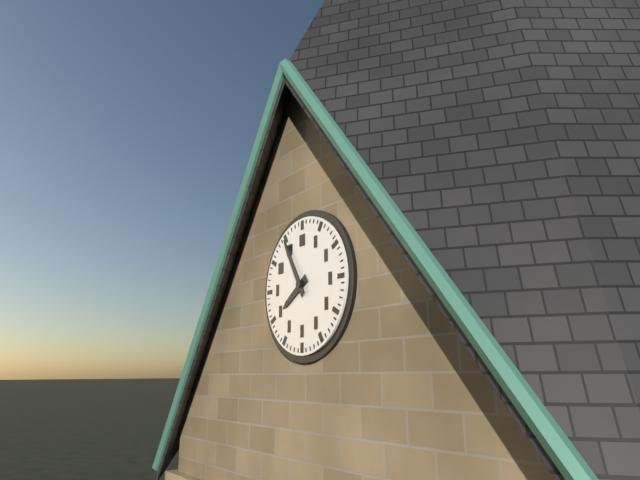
7:55
